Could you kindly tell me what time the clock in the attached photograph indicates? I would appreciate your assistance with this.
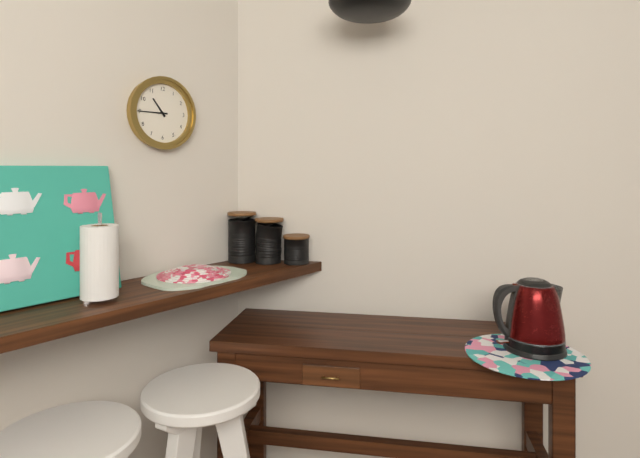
10:45
